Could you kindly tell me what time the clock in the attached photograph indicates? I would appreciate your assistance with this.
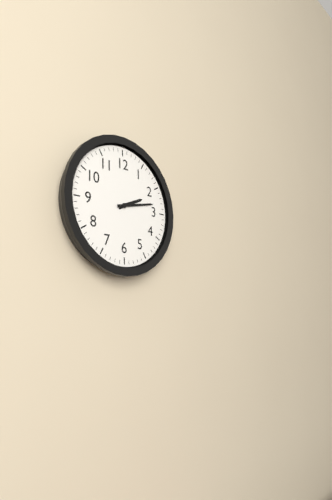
2:13
